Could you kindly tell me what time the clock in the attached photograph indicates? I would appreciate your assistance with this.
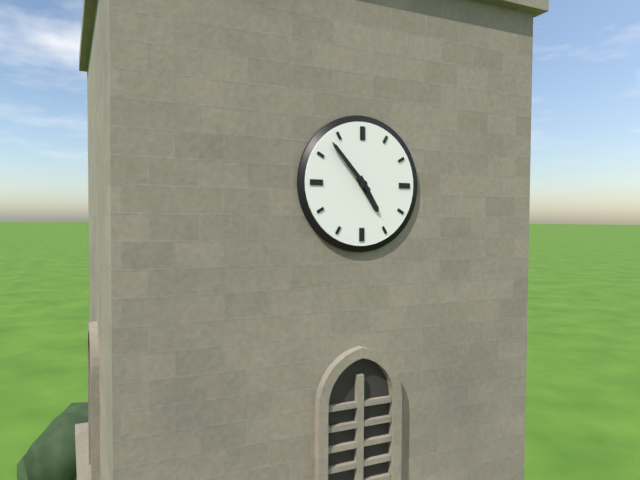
4:53
